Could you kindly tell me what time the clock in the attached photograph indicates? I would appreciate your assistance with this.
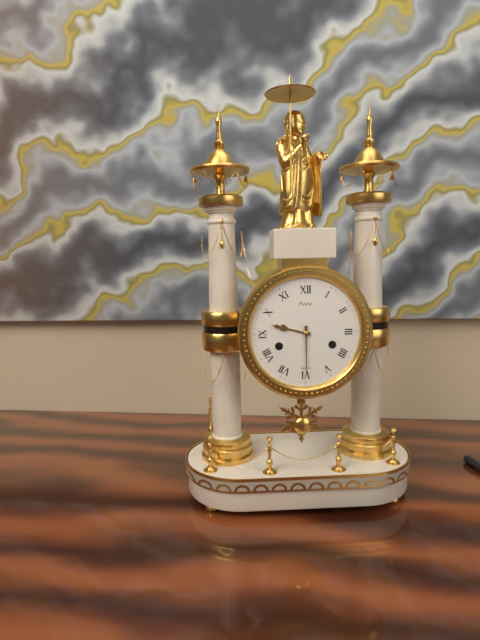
9:30
